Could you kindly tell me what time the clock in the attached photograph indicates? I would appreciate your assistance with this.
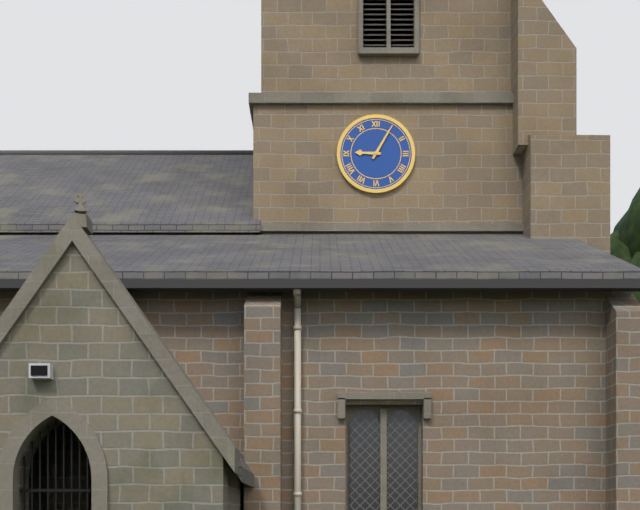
9:05
